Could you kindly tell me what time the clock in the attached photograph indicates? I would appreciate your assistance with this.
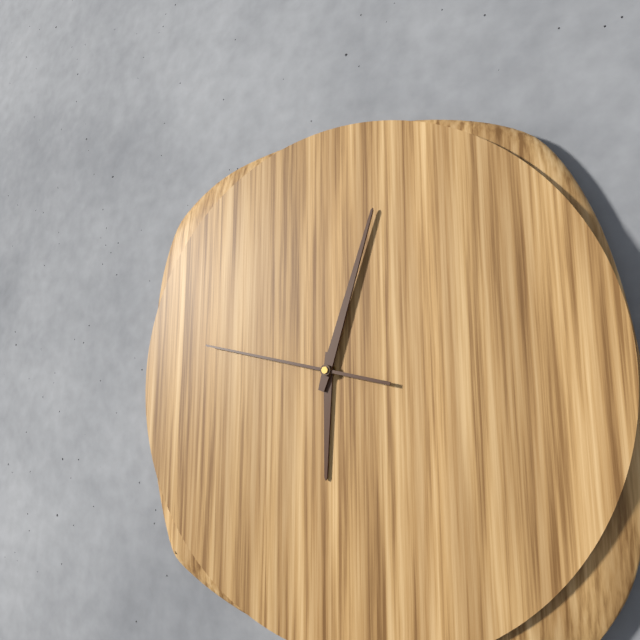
6:03:47
